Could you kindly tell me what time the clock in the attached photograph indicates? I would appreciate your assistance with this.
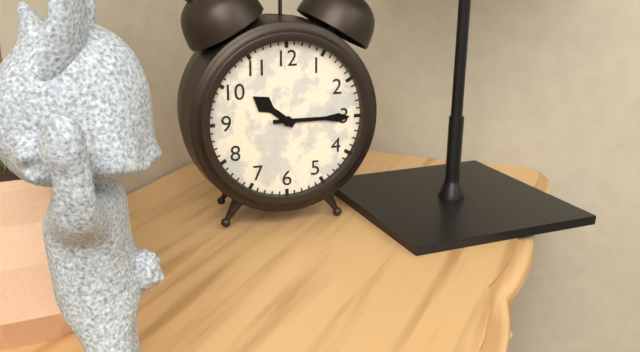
10:15
